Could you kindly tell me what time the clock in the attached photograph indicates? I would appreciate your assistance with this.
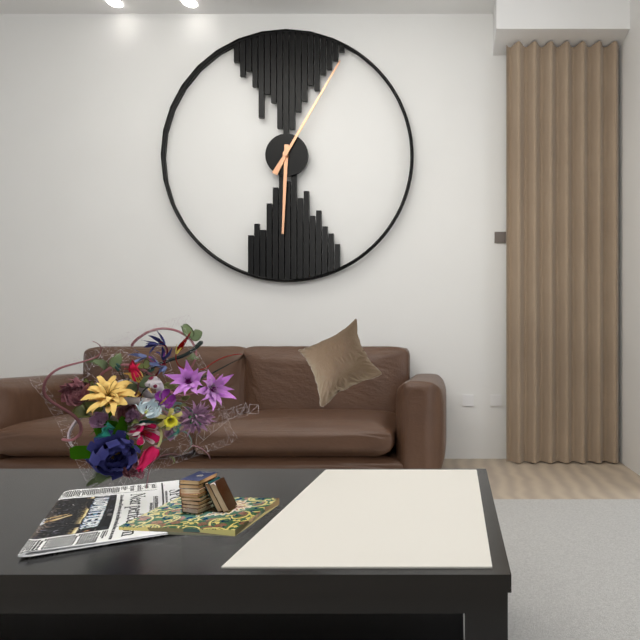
6:05
